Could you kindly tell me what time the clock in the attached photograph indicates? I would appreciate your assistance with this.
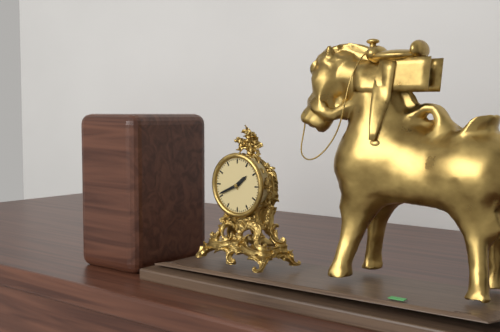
1:41
